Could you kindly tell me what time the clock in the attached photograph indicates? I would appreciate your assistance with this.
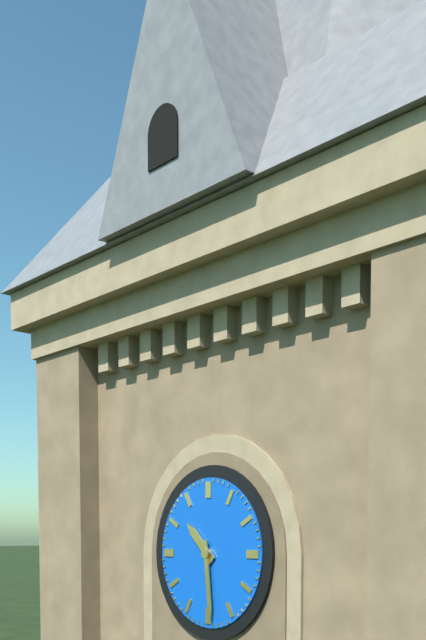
10:29
